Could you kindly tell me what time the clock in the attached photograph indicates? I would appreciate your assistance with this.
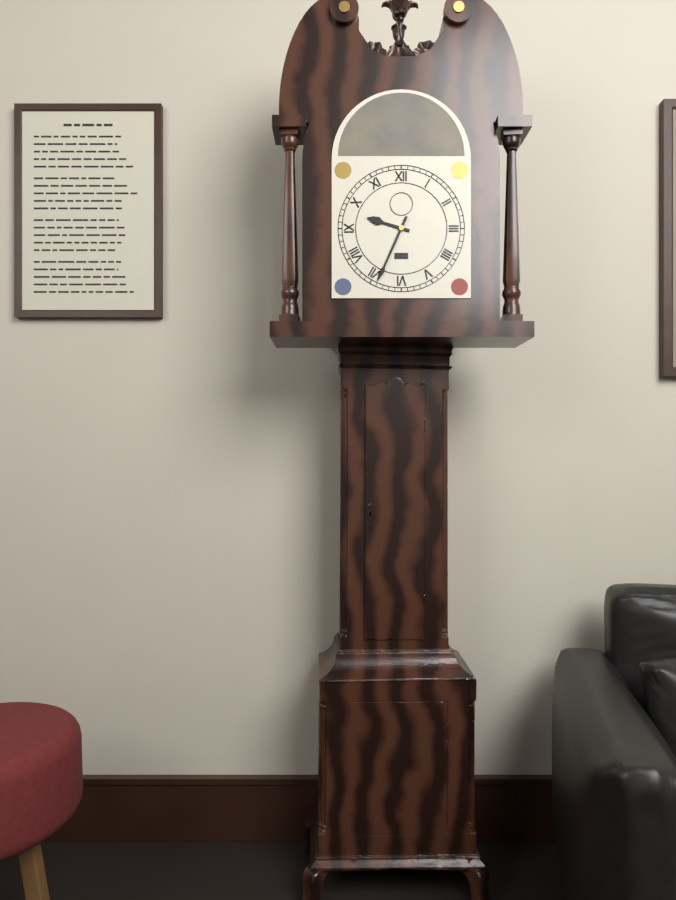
9:34
